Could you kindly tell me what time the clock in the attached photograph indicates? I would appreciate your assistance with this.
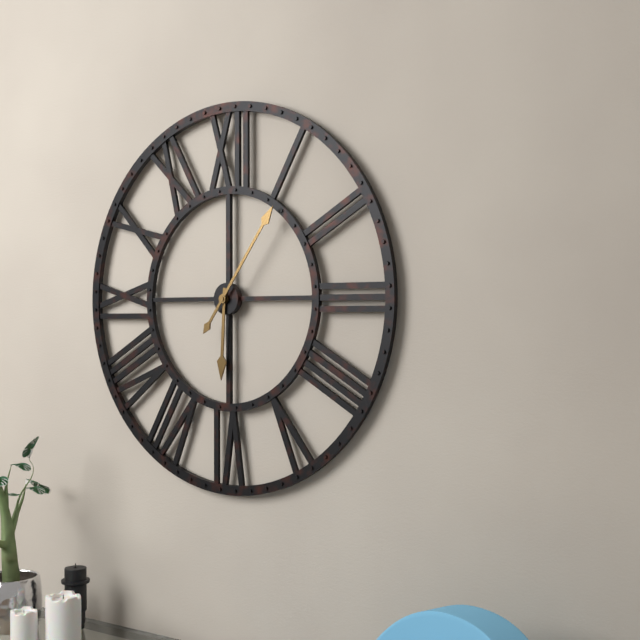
6:06
